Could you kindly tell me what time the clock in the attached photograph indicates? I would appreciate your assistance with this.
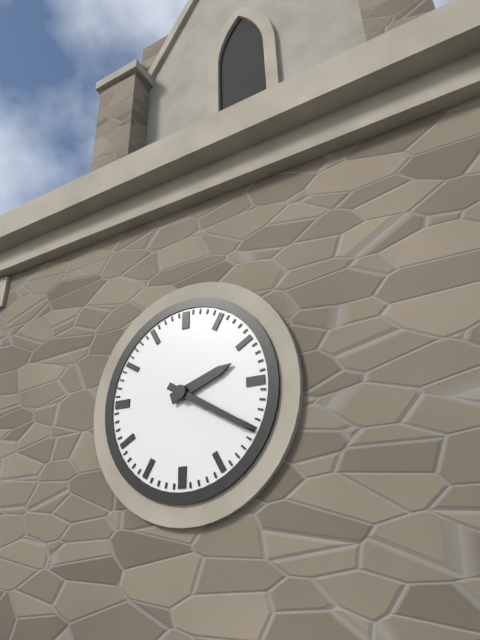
2:20
